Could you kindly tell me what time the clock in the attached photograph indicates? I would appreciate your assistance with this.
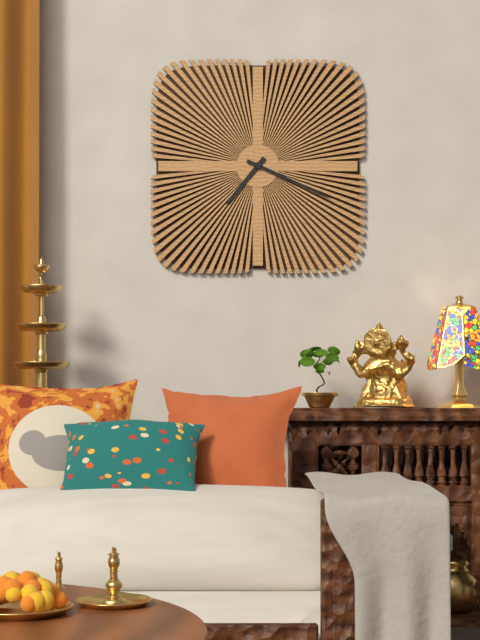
7:19
